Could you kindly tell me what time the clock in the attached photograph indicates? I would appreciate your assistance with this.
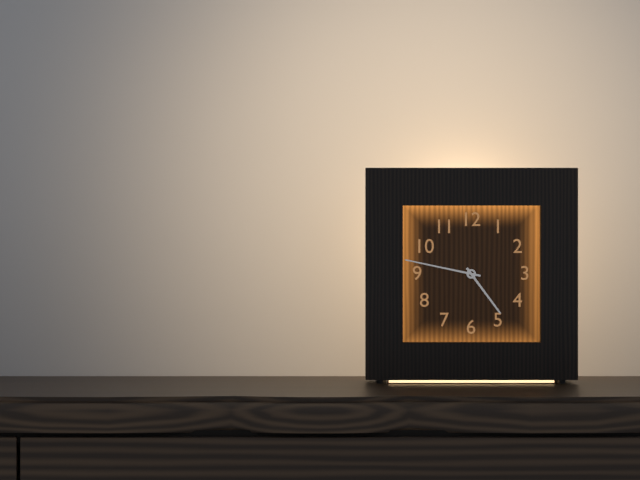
4:47
